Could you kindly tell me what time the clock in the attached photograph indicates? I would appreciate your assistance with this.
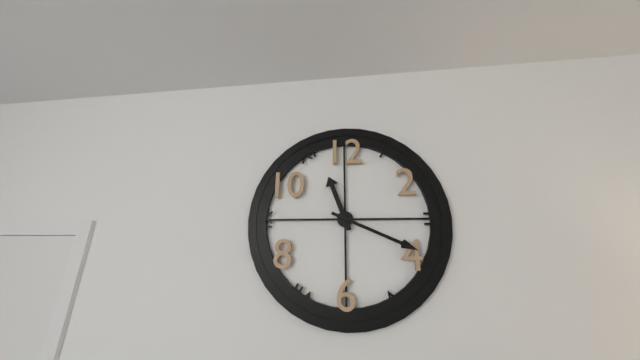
11:19
